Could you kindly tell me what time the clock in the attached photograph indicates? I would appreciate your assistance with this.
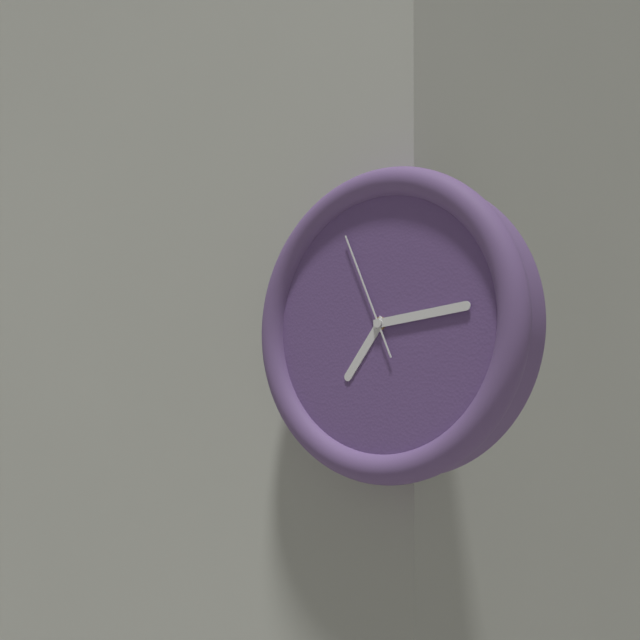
7:14:56
